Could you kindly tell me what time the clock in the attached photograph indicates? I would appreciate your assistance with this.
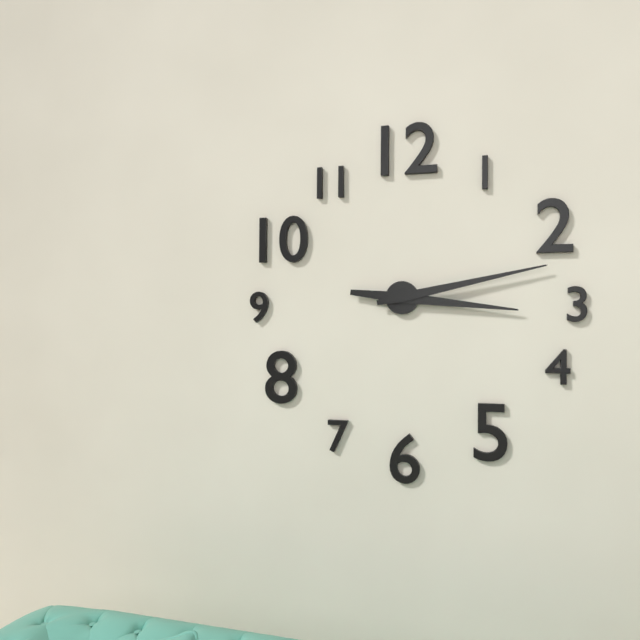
3:13
